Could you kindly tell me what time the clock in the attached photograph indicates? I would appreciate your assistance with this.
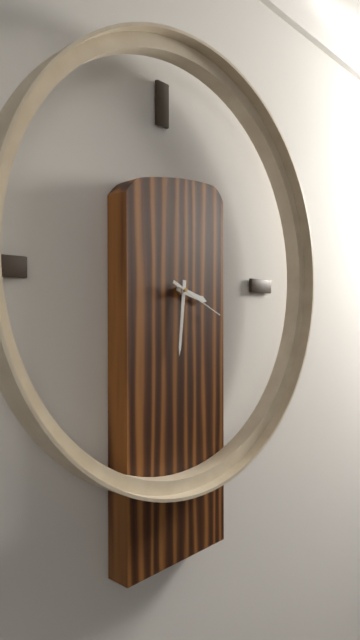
3:31:19
